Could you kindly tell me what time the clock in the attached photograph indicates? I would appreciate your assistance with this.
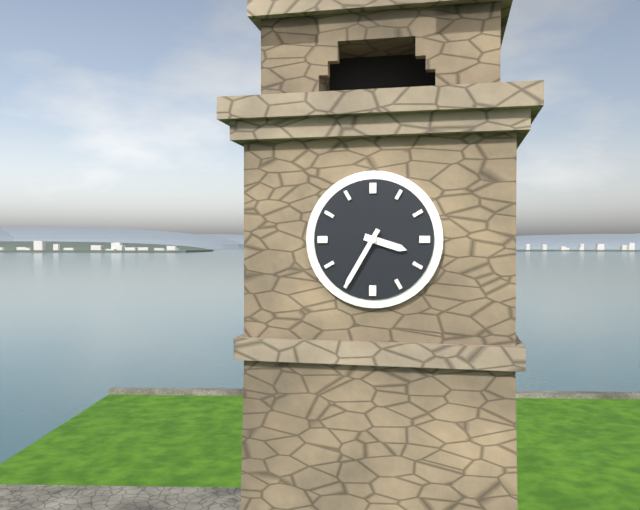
3:35
